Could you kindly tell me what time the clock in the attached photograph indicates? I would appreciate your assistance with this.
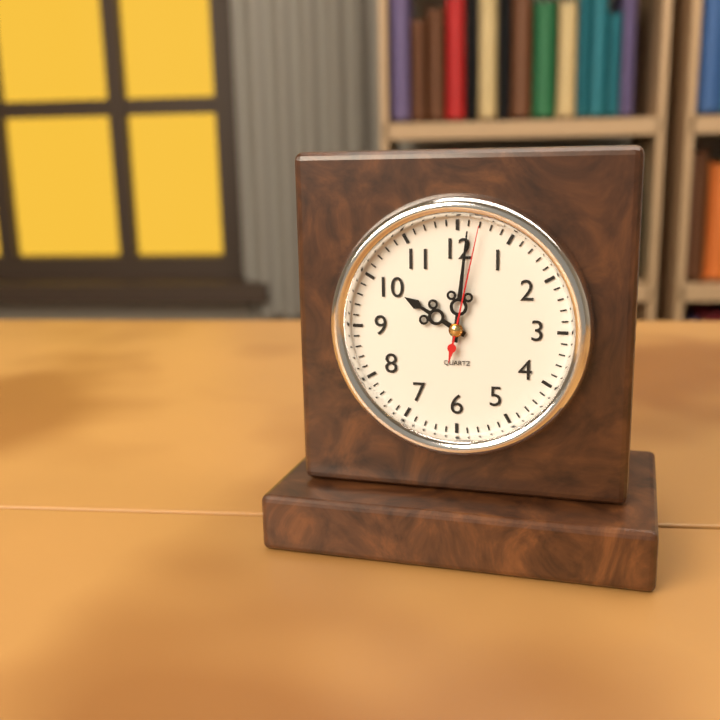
10:01:02
